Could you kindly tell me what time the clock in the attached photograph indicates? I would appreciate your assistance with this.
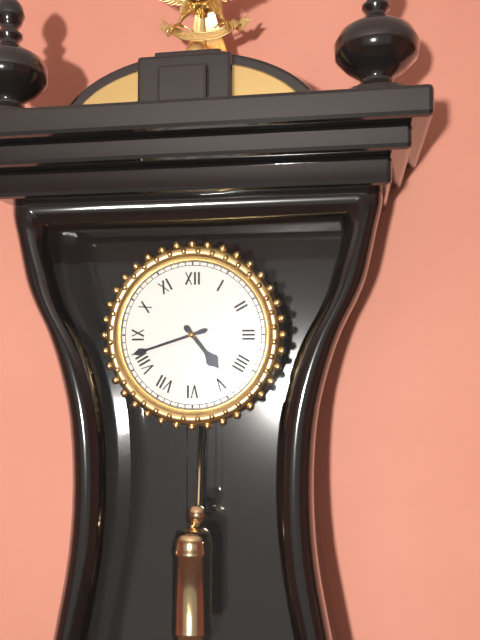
4:42
